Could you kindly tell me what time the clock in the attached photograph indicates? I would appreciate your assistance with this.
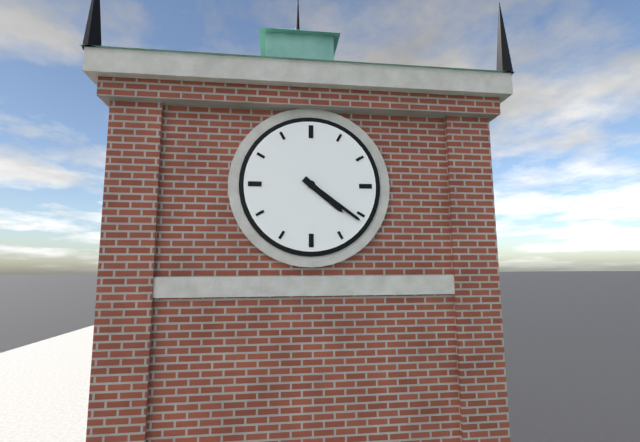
4:21
